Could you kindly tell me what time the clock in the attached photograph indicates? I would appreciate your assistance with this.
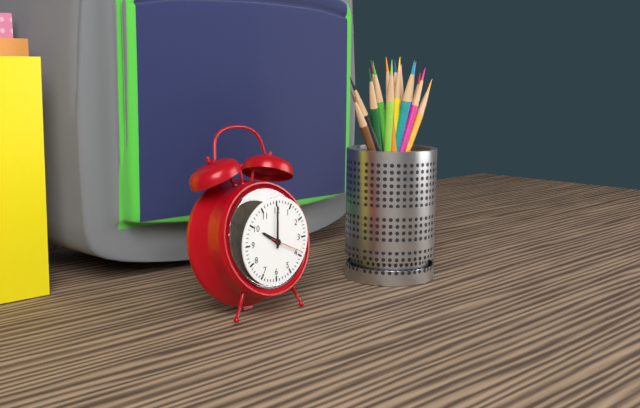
10:00
